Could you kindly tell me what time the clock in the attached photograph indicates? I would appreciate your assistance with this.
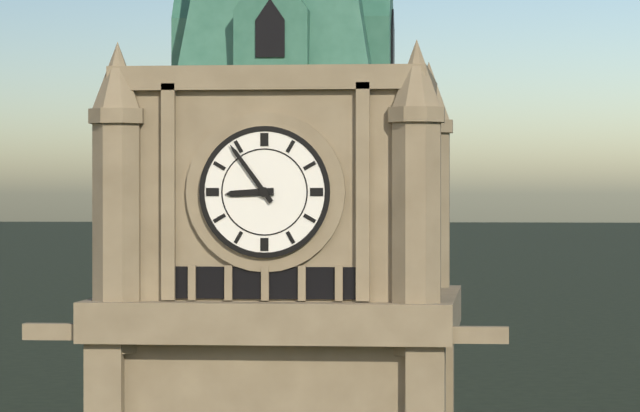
8:54
